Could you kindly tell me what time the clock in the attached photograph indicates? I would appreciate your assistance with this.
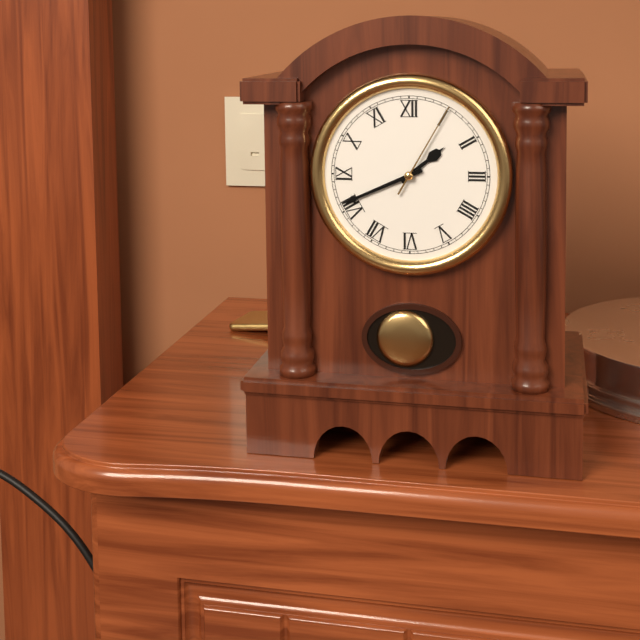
1:41:05
